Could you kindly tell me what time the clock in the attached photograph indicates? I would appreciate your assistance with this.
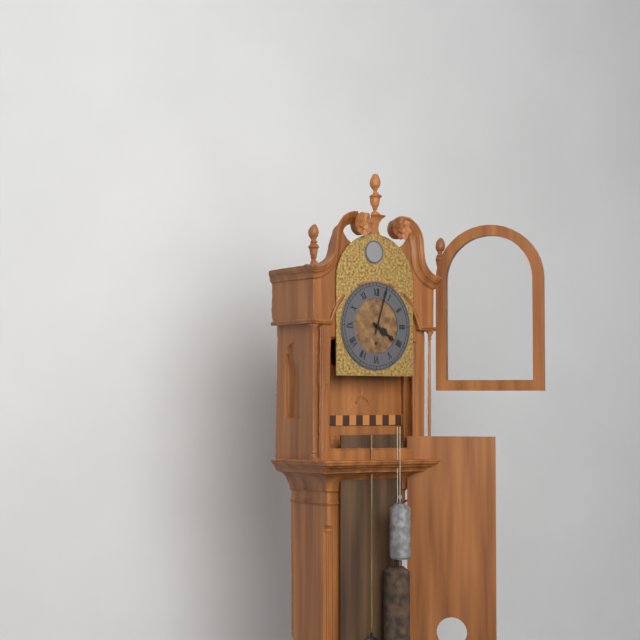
4:03
